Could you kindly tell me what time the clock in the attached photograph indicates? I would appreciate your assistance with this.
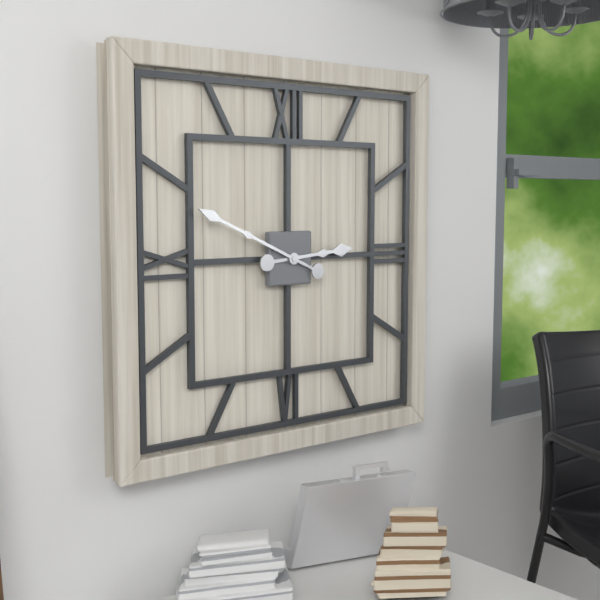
2:49
